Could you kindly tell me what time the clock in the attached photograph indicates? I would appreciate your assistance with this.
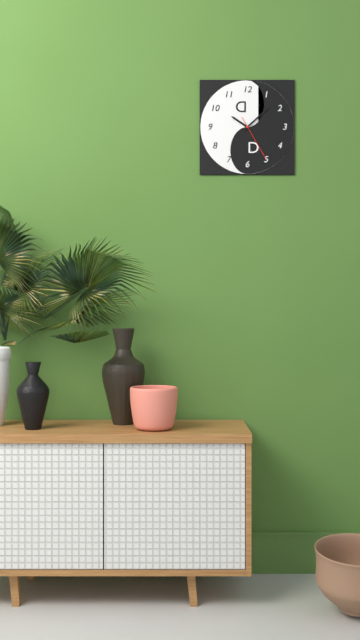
10:08
